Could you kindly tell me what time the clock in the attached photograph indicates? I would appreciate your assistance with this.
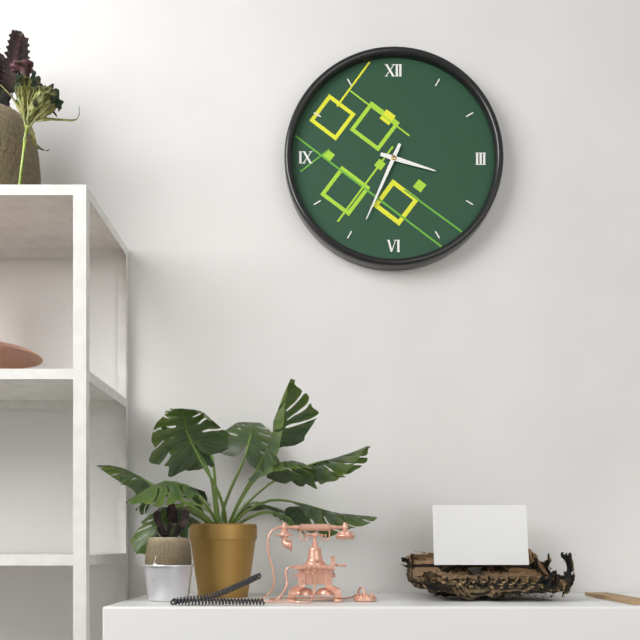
3:34
